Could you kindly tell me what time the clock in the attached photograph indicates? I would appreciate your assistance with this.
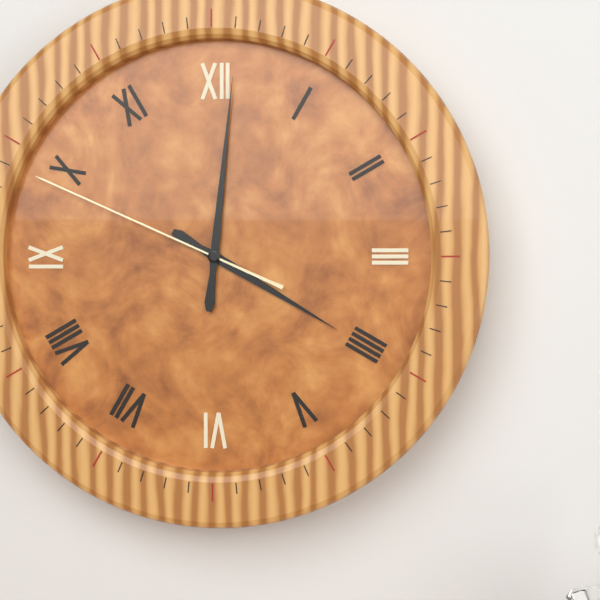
4:01:49
